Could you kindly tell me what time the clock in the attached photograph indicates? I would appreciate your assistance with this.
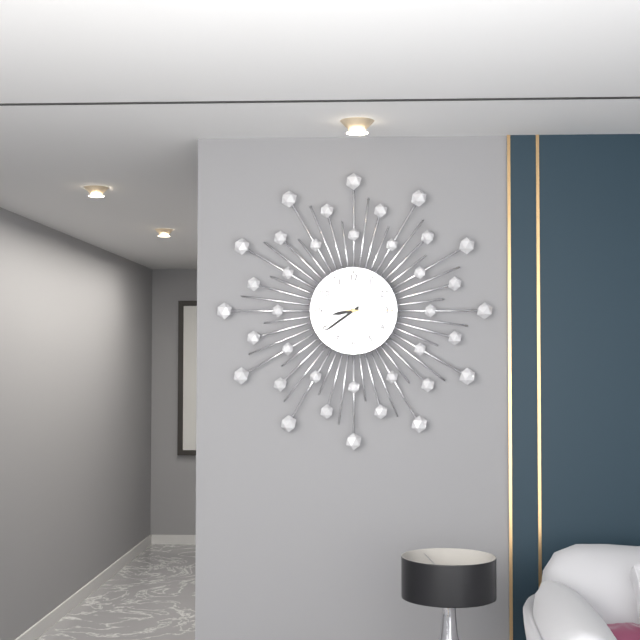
8:39
